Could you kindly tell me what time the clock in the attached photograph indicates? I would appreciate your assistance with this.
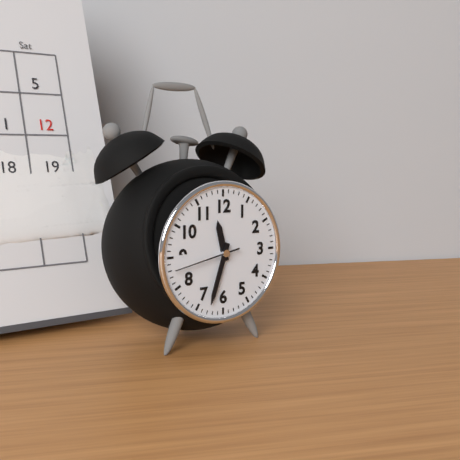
11:33:43
